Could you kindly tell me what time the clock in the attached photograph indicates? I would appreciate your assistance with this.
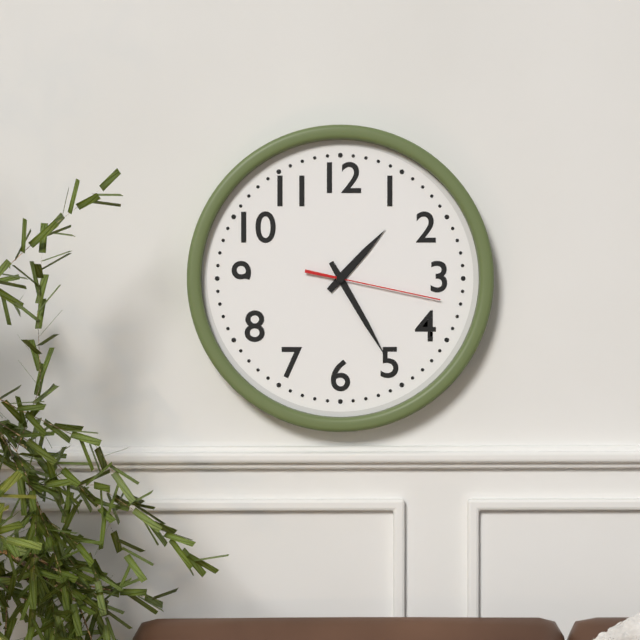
1:25:17
